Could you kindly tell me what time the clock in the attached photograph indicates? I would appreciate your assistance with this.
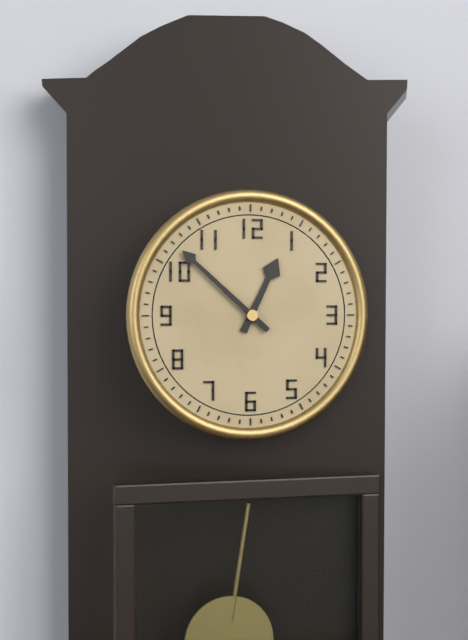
12:52
